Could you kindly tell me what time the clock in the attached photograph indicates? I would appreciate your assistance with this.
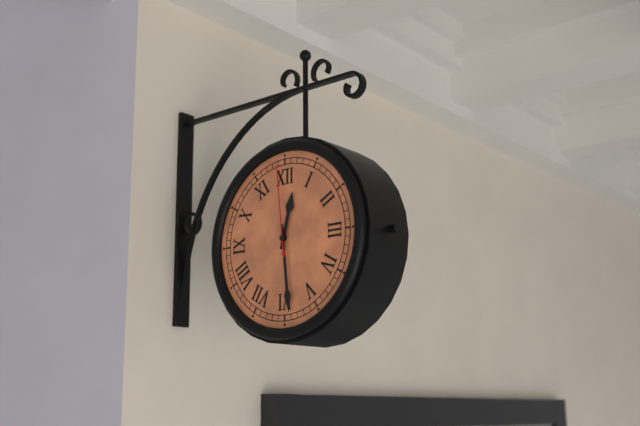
12:29:59
